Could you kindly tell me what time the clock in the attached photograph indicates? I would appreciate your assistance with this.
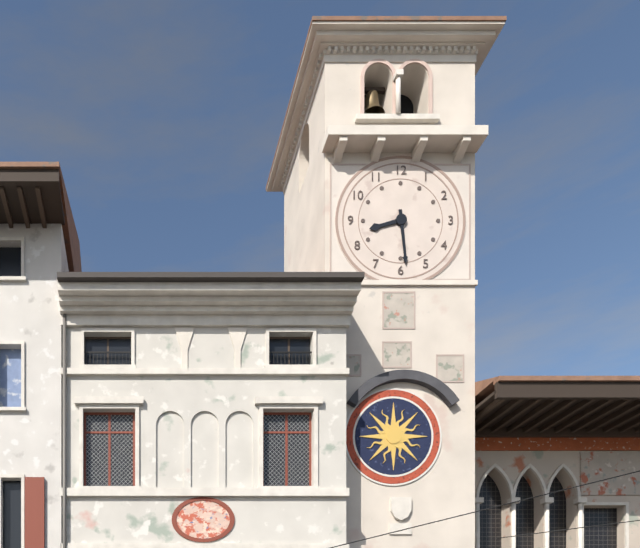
8:29
